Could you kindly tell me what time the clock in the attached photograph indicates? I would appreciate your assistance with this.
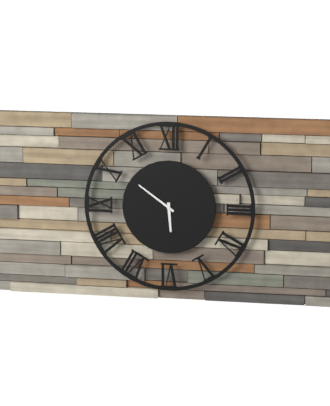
5:51
